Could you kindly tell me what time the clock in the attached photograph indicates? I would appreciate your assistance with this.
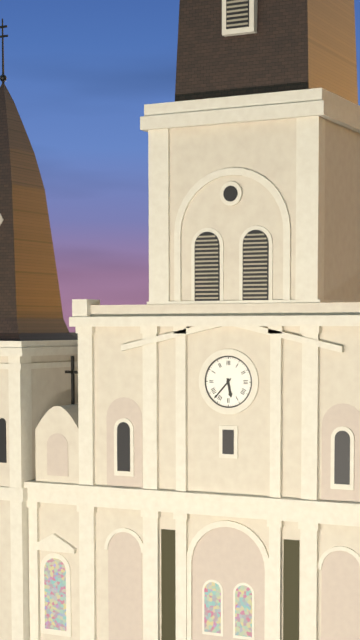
5:37
